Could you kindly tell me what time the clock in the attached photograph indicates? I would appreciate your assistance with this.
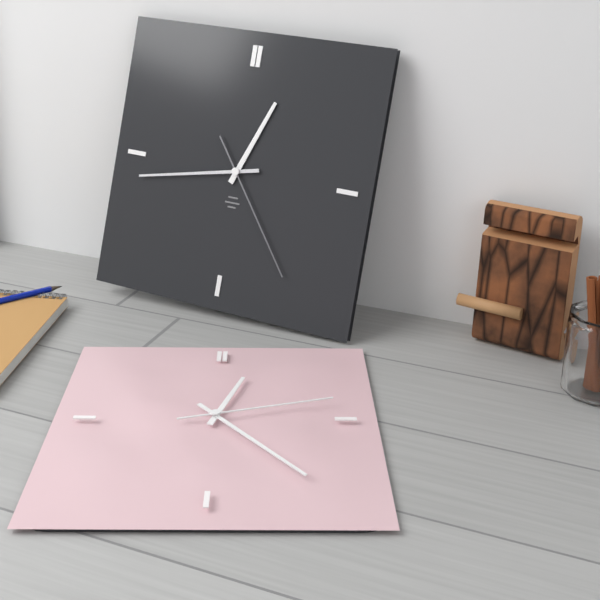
12:43:24
